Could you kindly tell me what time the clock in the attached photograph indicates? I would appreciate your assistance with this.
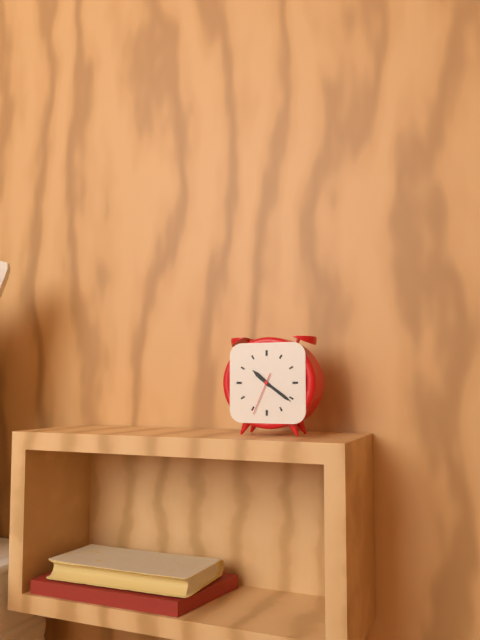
10:21
